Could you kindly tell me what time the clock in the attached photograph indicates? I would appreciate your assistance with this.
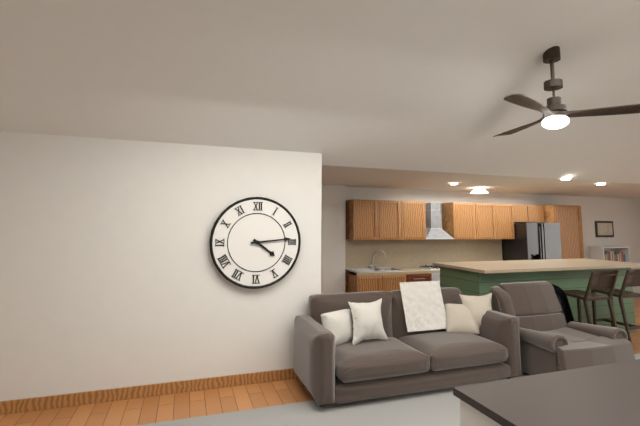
4:14
